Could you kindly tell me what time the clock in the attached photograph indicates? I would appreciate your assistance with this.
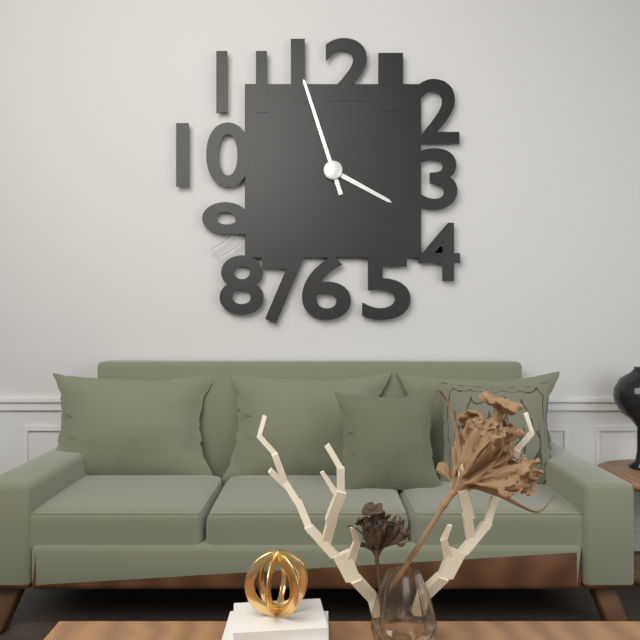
3:57
